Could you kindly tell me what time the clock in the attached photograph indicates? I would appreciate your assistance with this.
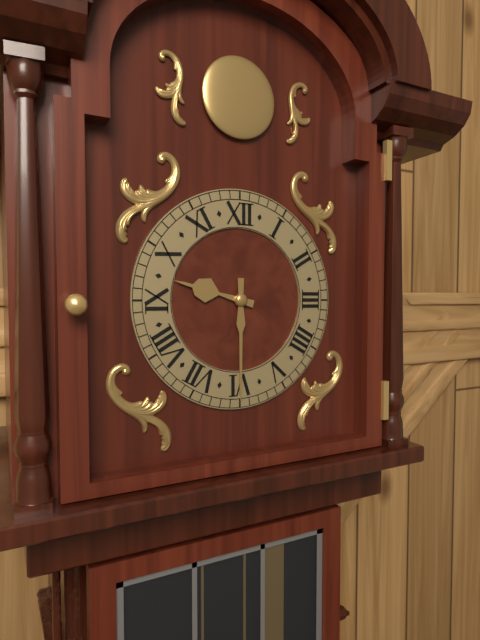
9:30
